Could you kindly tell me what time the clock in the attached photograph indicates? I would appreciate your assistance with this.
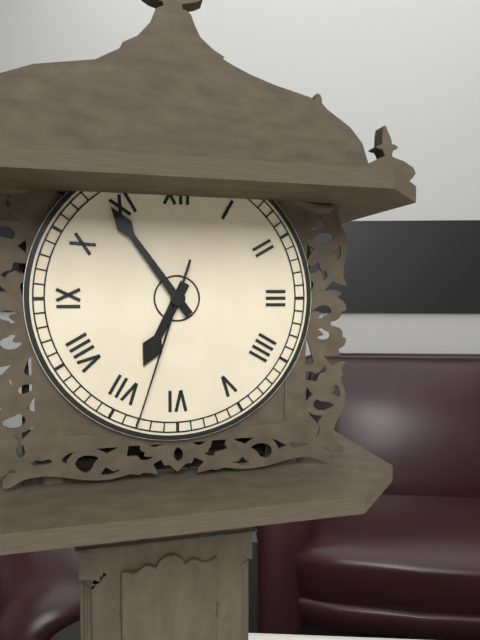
6:54:33
